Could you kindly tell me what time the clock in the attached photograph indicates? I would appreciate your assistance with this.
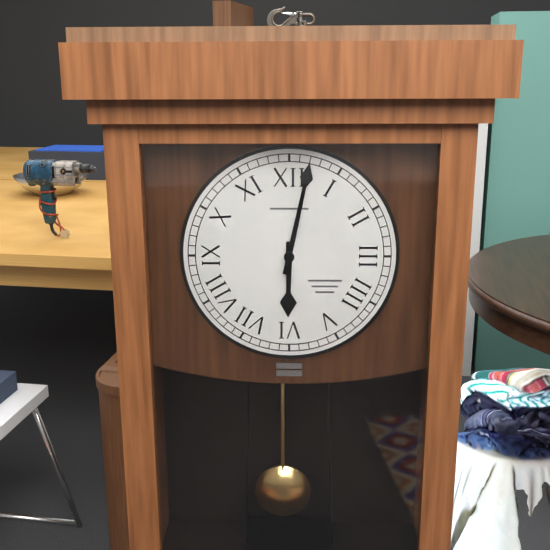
6:02
